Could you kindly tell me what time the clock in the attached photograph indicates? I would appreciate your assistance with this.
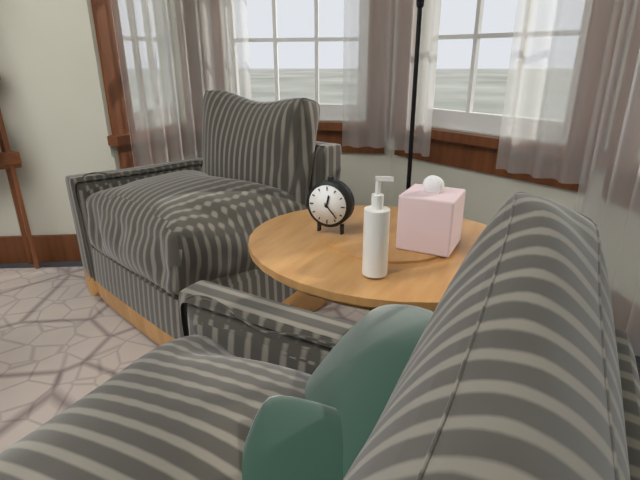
12:23
